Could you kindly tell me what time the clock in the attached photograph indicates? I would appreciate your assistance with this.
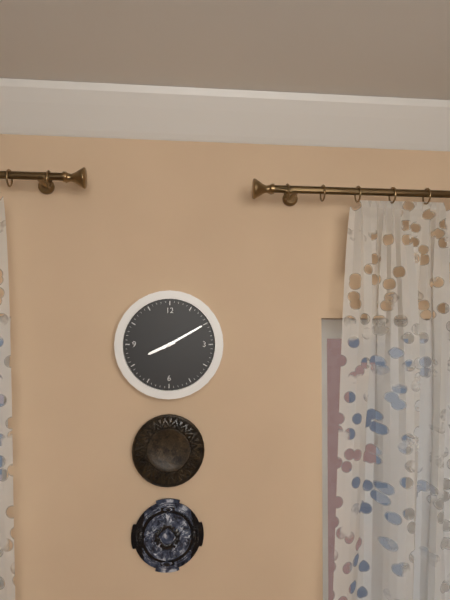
8:10
